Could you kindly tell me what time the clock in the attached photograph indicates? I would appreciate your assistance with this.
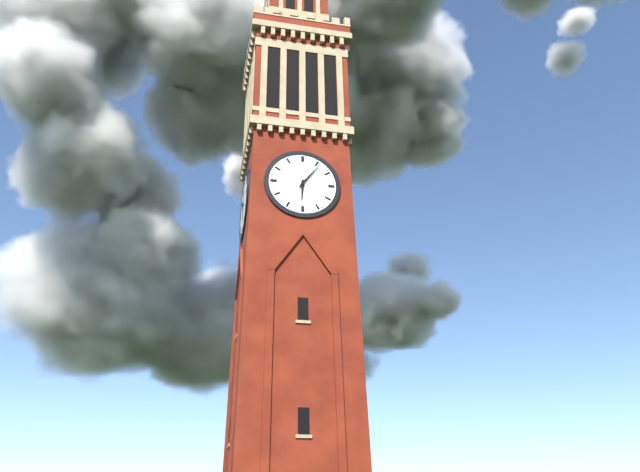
6:06
